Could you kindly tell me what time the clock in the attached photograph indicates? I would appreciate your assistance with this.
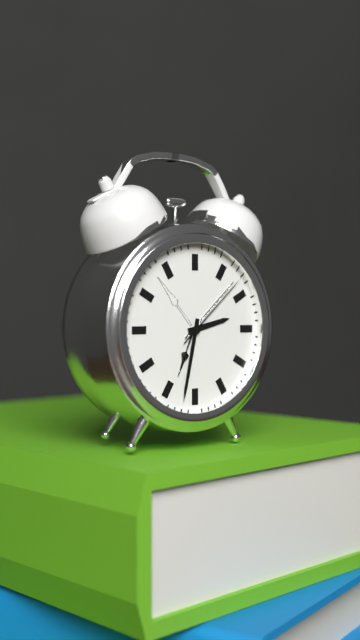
2:32:08
